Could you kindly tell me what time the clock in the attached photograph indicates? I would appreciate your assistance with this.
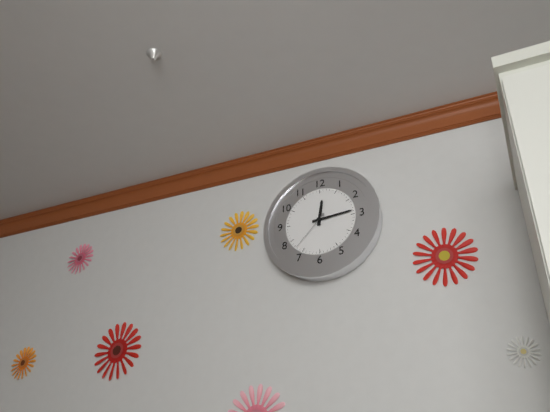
12:14
